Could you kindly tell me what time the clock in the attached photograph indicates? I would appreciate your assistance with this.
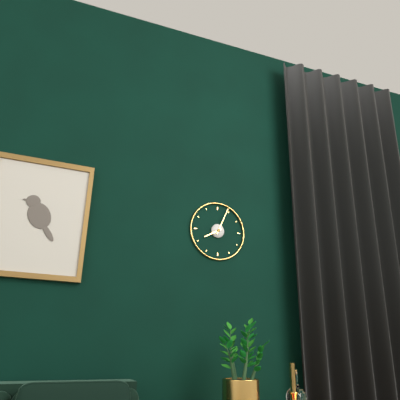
8:04
